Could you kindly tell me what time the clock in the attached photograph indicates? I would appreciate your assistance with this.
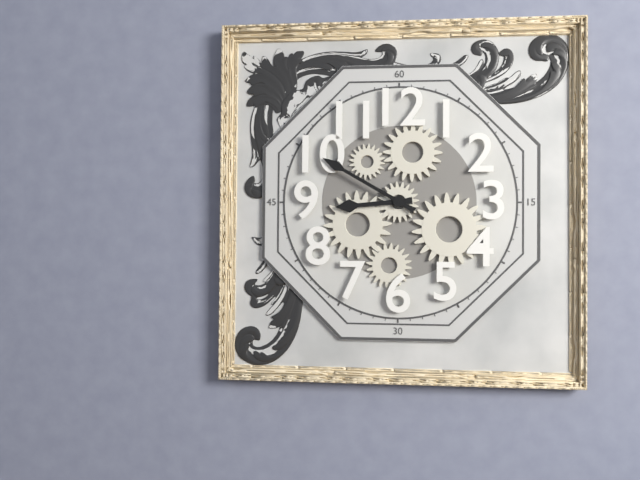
8:50
